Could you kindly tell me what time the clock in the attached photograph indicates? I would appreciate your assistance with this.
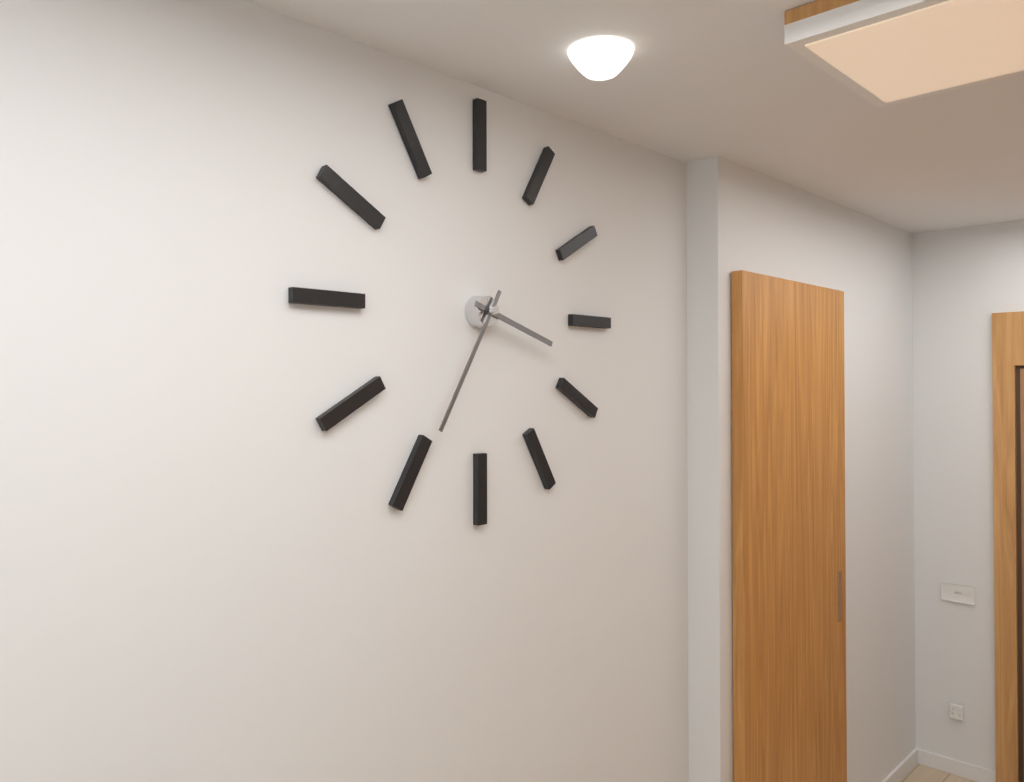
3:35
